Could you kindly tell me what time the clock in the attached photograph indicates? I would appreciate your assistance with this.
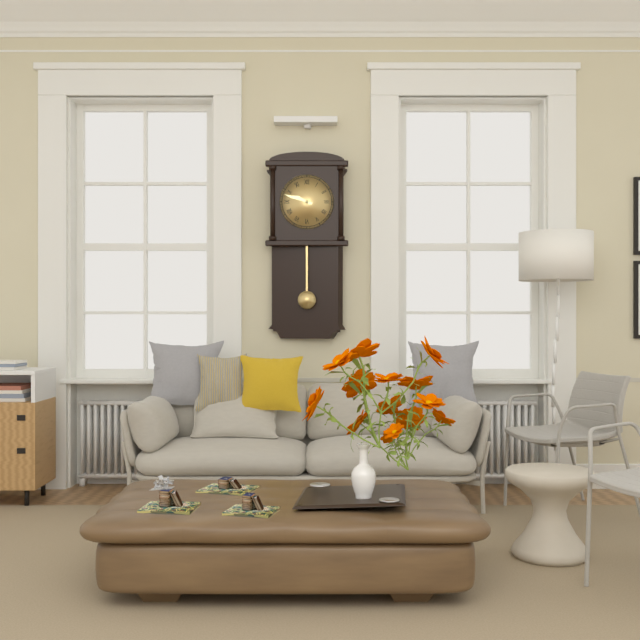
9:48
